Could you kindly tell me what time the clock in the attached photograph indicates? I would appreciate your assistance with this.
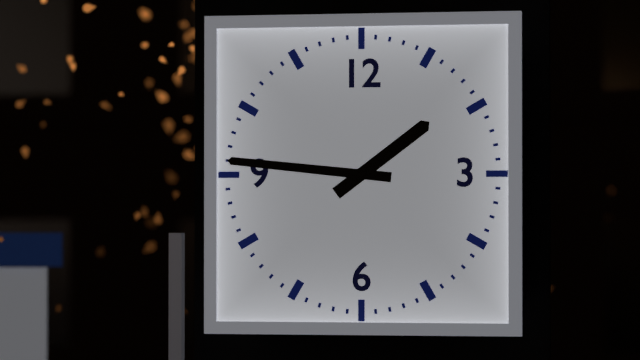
1:46
